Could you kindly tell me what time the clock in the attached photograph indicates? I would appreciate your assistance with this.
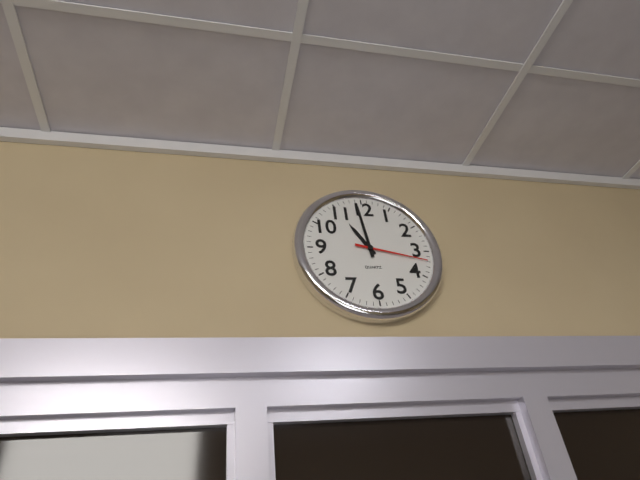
10:59:17
